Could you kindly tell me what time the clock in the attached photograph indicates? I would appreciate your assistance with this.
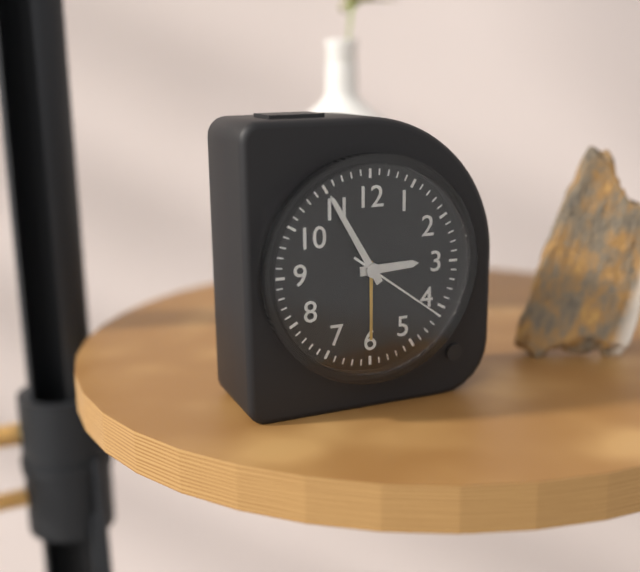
2:55:21
